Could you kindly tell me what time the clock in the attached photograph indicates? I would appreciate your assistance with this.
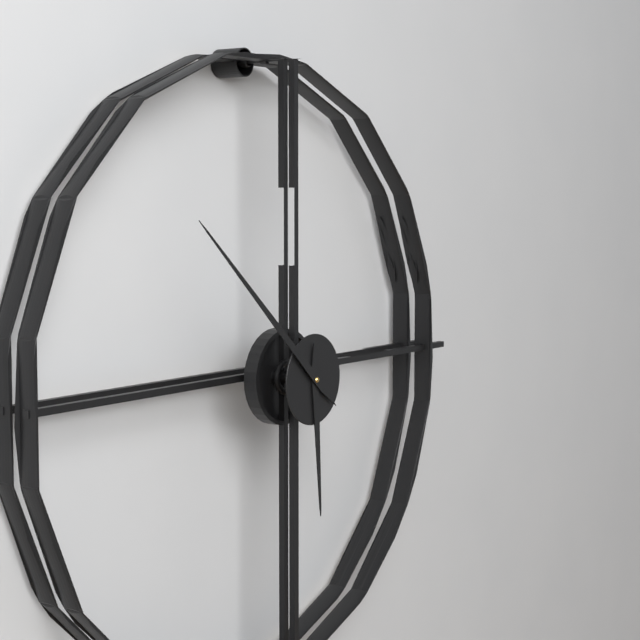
5:52
